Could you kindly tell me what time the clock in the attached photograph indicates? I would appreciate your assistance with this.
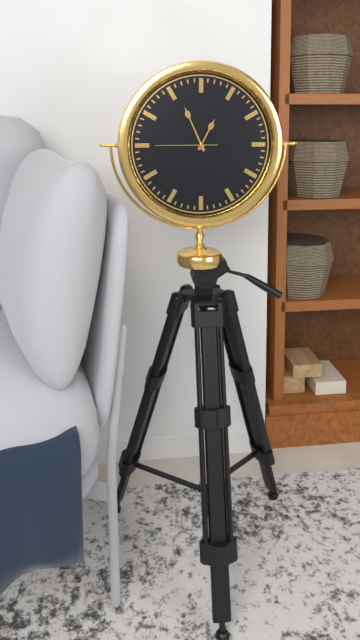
12:56:45
